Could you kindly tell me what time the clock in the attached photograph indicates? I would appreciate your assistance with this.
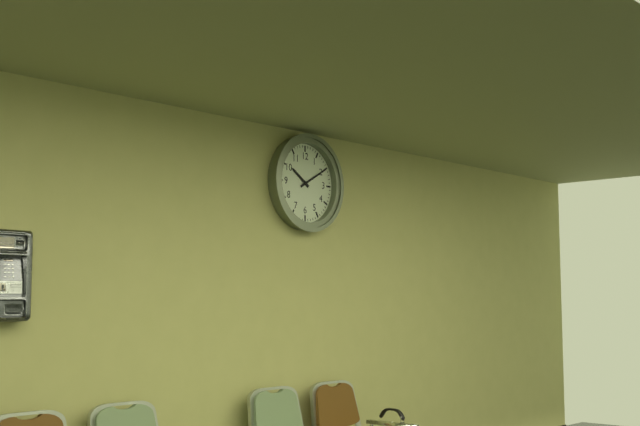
10:10
